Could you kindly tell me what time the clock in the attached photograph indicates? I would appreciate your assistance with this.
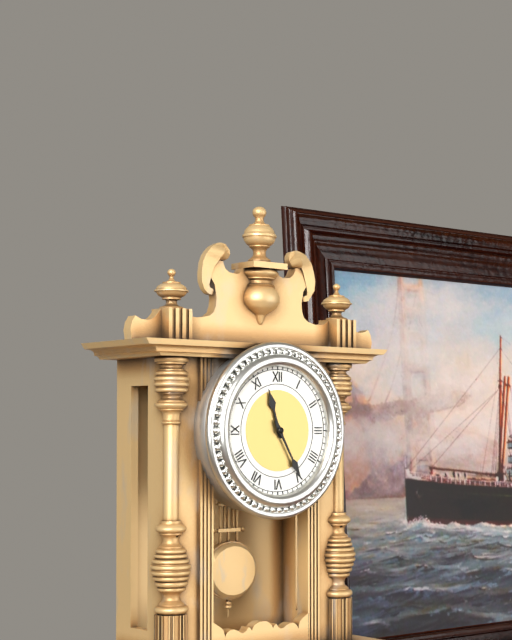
11:25
